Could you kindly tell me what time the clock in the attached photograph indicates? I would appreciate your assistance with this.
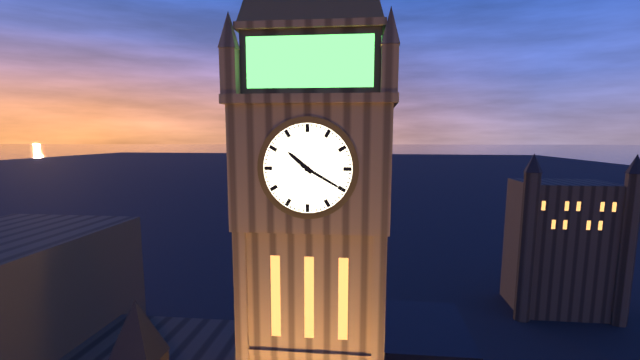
10:20
